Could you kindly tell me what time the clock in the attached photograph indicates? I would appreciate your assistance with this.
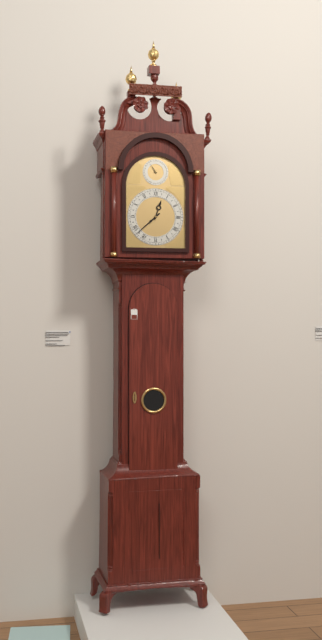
12:38
